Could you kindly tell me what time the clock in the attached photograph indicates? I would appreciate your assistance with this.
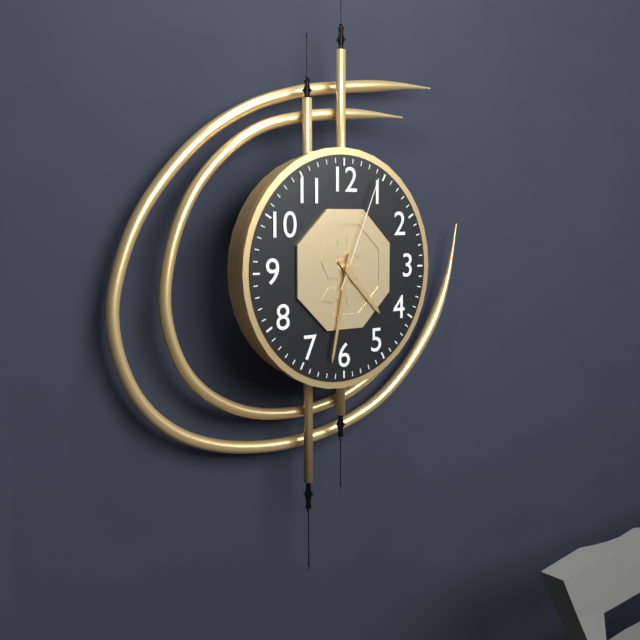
4:32:04
